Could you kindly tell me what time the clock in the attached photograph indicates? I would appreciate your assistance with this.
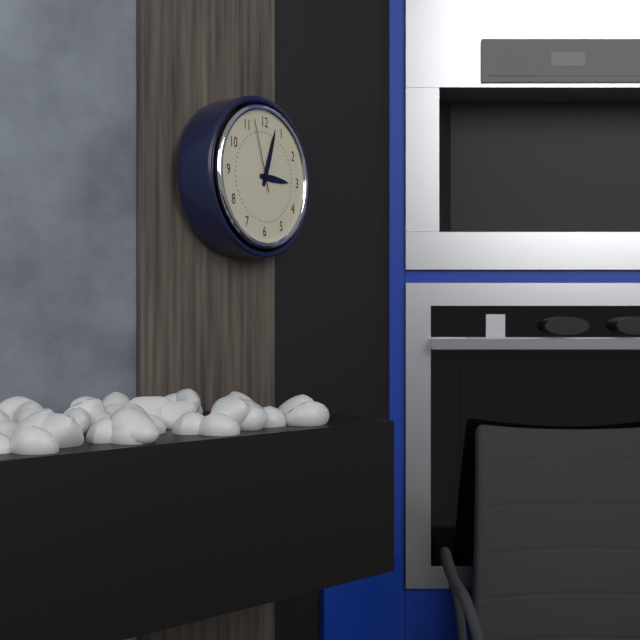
3:03:57
